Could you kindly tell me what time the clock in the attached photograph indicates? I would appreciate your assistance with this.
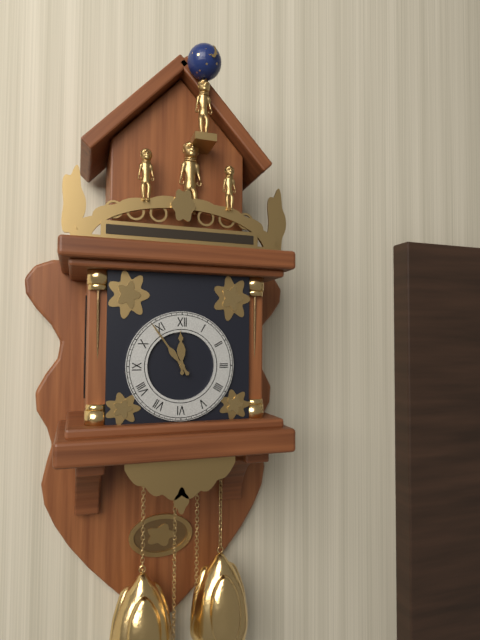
11:54
